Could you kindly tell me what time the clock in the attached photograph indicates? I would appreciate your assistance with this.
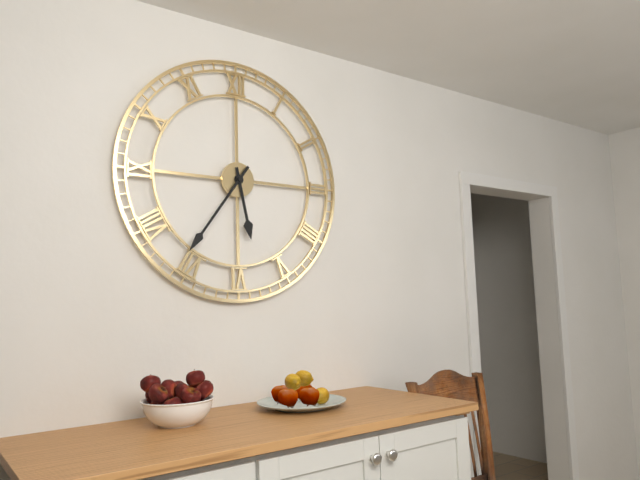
5:36
